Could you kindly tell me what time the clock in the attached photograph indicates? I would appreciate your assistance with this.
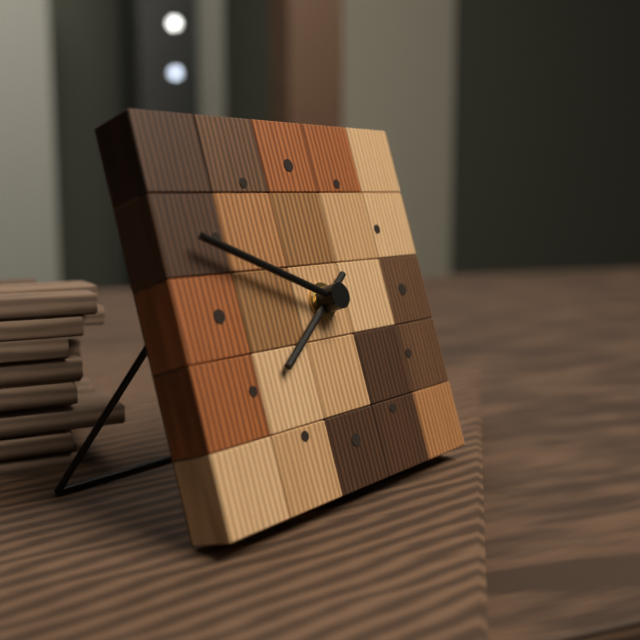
7:49
